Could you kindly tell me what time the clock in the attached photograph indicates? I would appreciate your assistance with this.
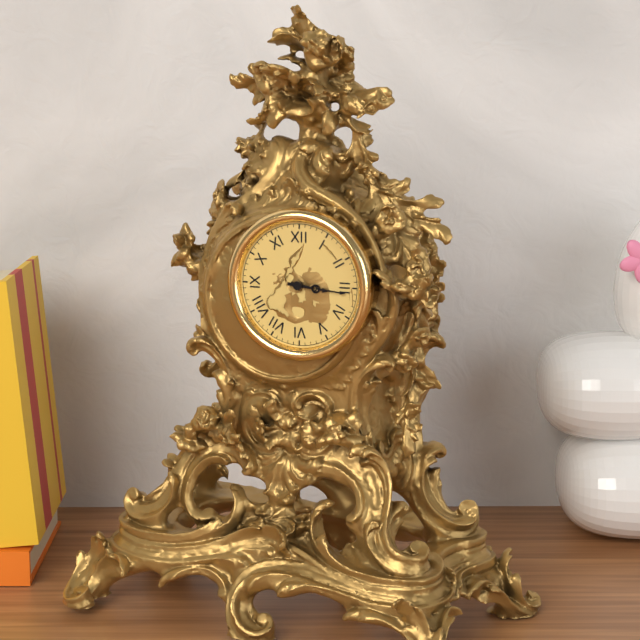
3:16
